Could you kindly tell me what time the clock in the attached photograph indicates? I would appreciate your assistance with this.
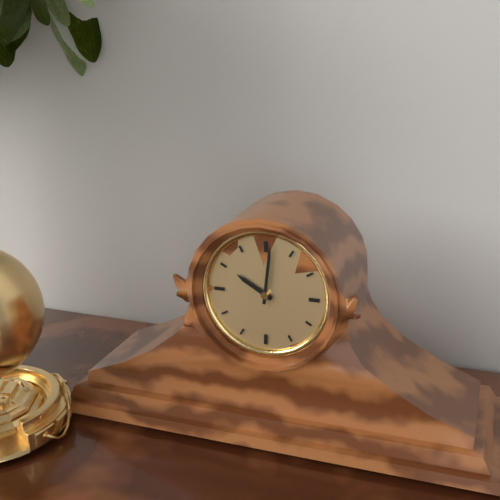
10:01
